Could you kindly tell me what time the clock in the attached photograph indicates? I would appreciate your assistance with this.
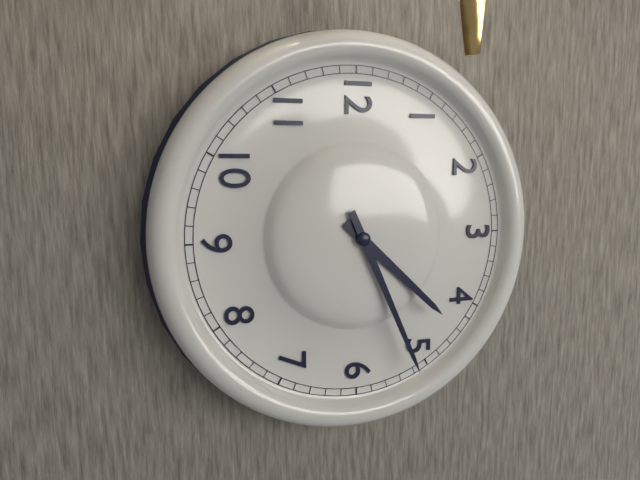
4:26
